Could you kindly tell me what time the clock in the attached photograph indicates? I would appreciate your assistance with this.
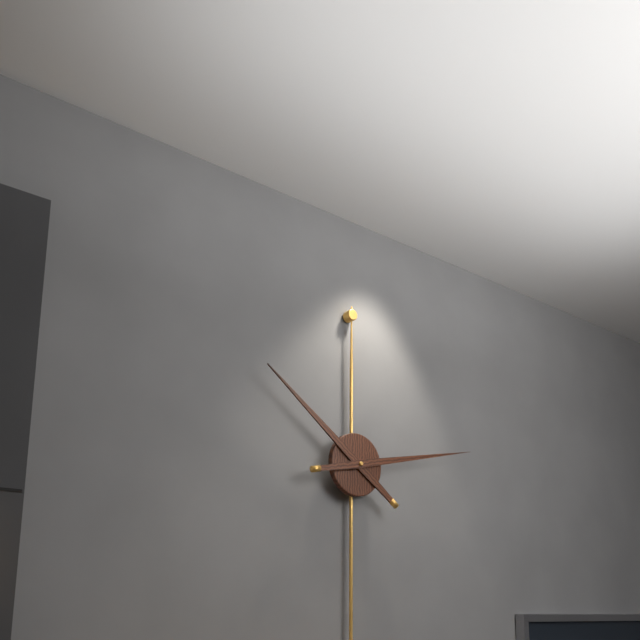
10:13
